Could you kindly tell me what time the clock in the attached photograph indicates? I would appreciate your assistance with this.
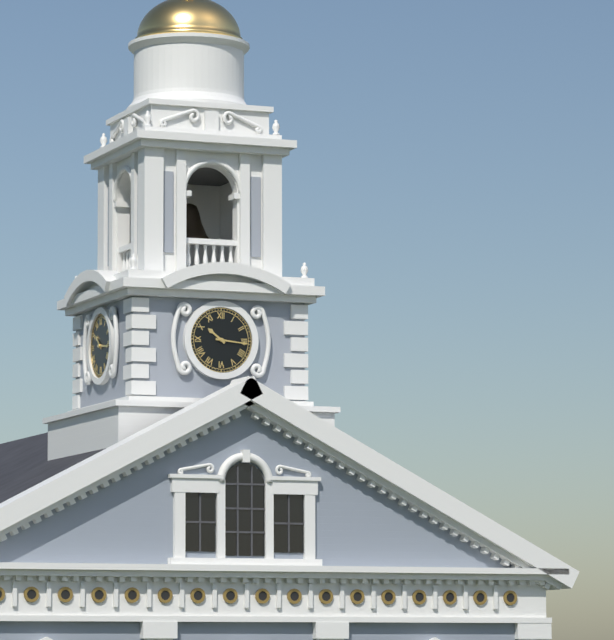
10:16
